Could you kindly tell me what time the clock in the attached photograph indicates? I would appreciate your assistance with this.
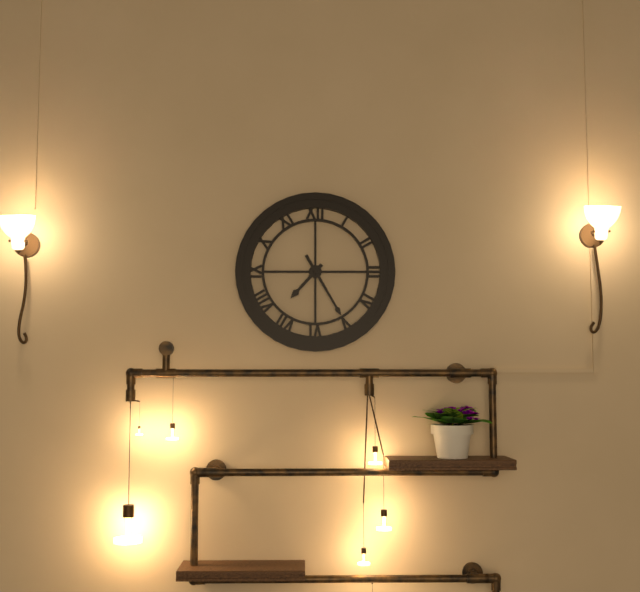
7:25
